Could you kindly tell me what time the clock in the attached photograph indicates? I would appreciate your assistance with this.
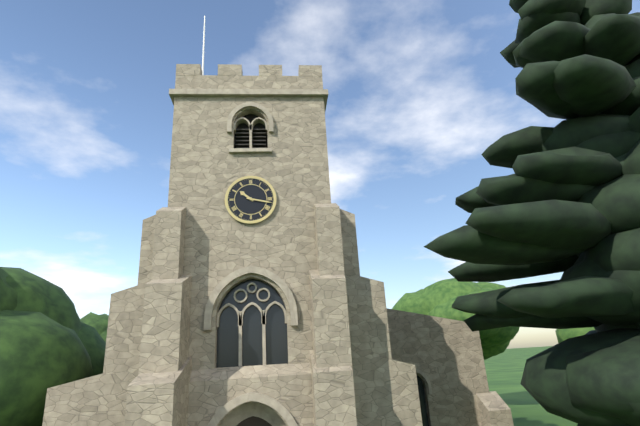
10:17
